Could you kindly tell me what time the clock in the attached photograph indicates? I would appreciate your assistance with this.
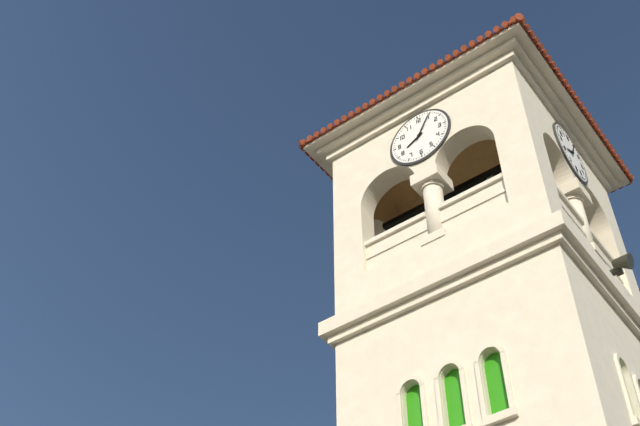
8:05
